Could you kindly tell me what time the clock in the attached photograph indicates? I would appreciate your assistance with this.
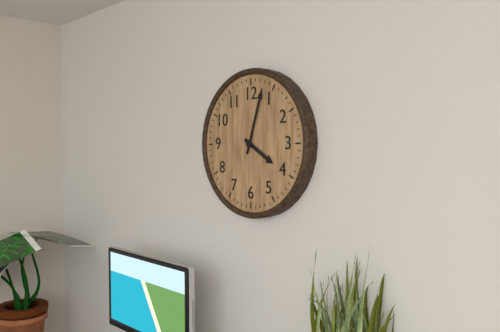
4:03
